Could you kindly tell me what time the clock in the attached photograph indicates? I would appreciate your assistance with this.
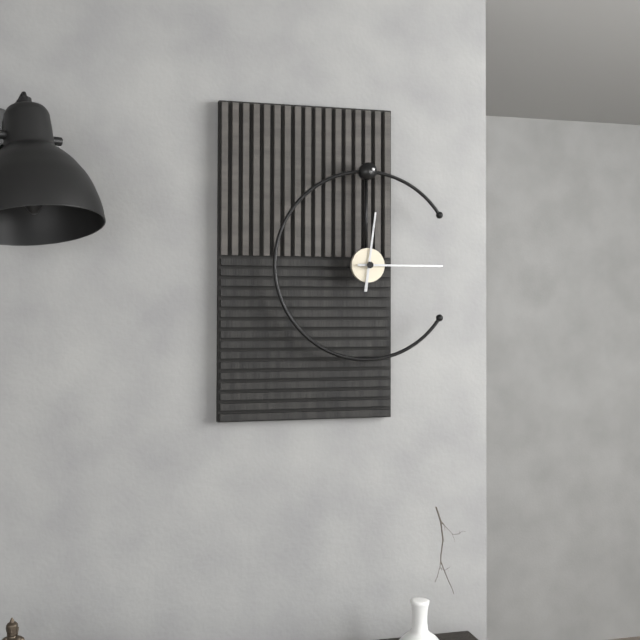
12:15
